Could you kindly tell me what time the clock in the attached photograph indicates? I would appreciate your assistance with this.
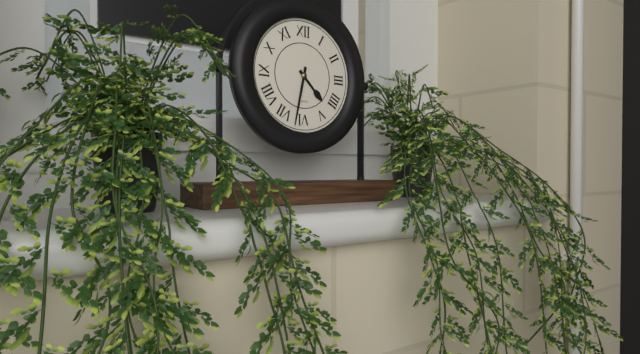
4:32
